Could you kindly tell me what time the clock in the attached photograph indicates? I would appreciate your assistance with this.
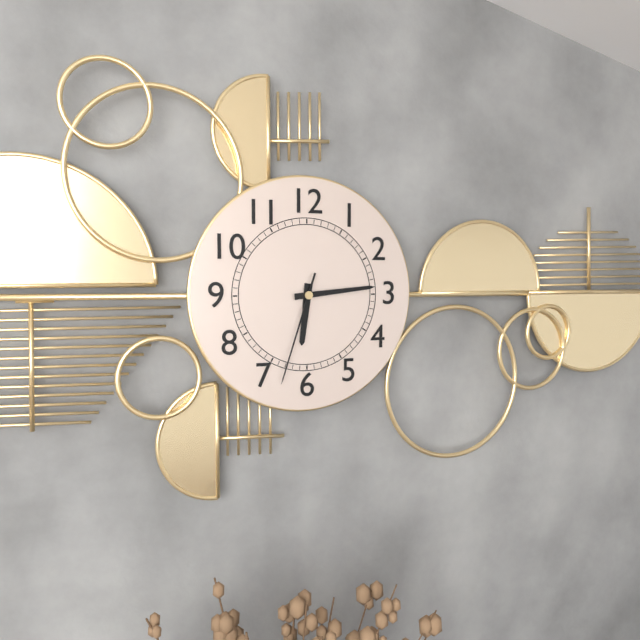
6:14:33
